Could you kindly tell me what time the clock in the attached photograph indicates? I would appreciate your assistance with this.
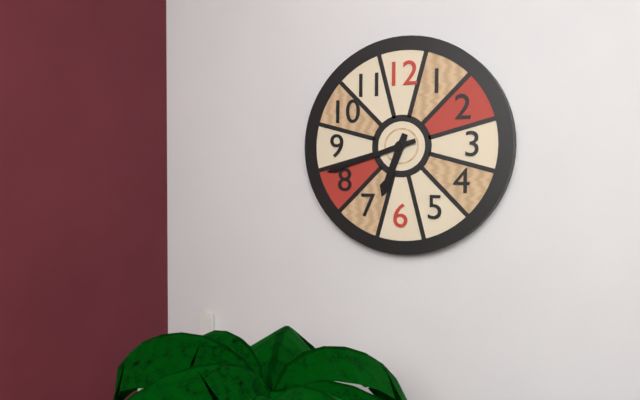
6:42
